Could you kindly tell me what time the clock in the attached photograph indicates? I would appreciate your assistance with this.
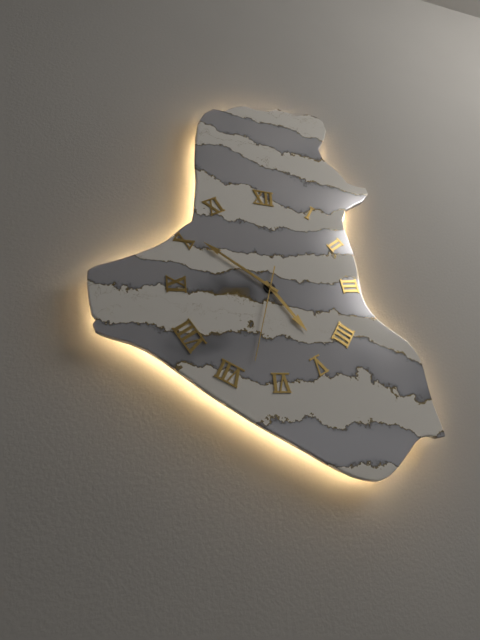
4:51:33
